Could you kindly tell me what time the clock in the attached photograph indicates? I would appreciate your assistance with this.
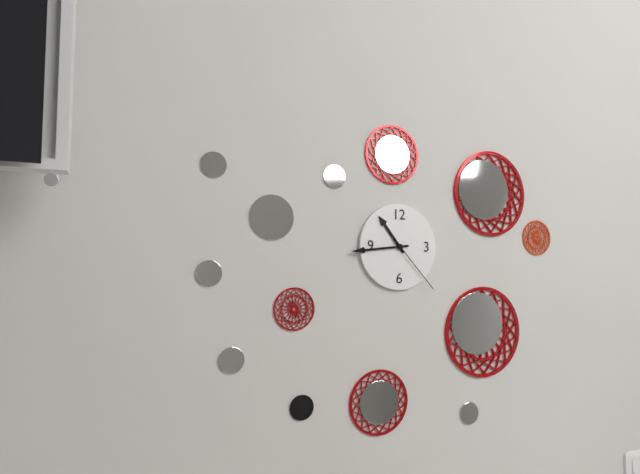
10:44:23
